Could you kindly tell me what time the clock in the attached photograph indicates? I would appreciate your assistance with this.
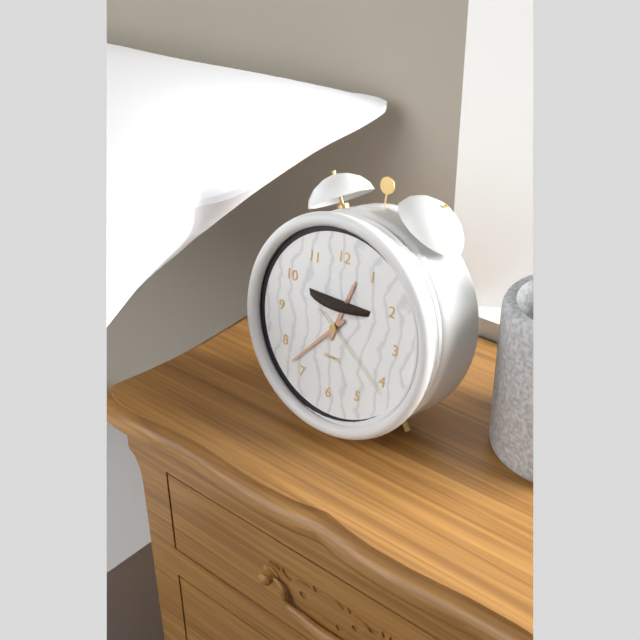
12:37:21
